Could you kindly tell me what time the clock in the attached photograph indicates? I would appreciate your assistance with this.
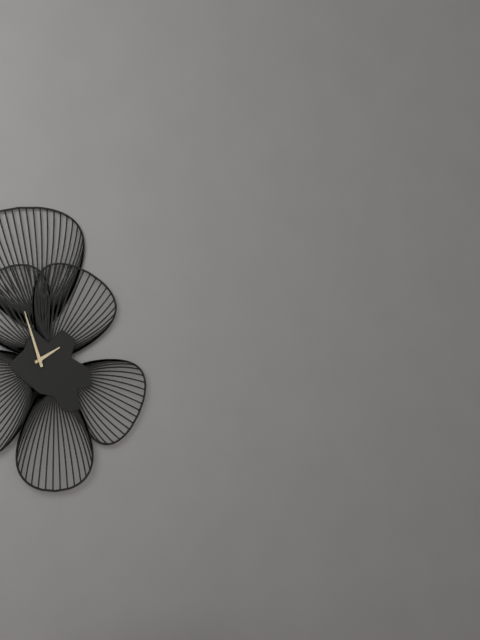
1:57
